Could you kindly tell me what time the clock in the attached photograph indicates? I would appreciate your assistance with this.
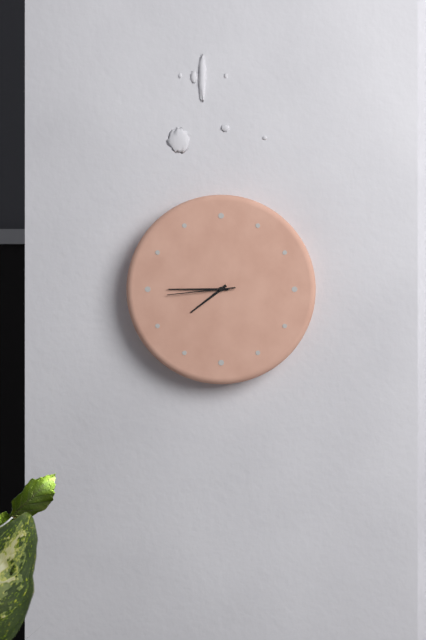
7:45:44
